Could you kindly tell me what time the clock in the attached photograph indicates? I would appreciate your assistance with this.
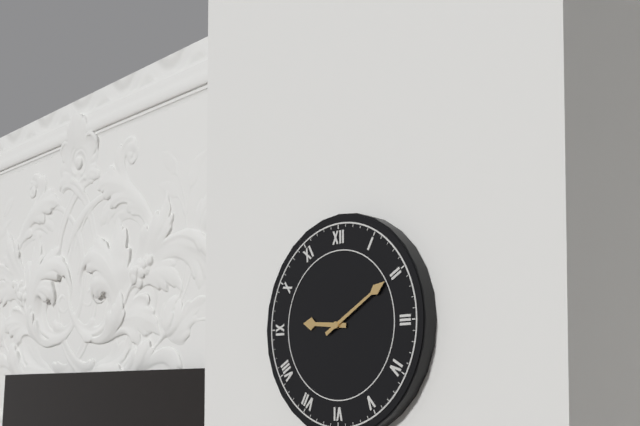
9:10
